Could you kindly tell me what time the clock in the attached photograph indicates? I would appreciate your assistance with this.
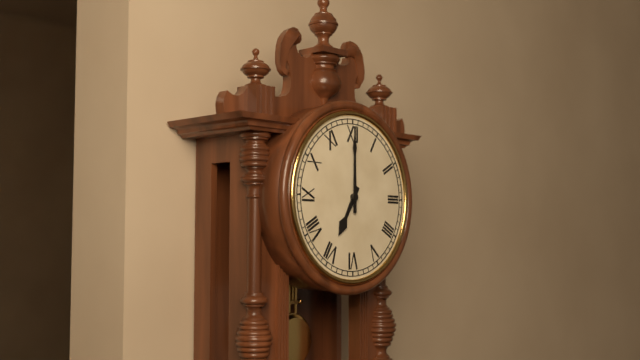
7:00
